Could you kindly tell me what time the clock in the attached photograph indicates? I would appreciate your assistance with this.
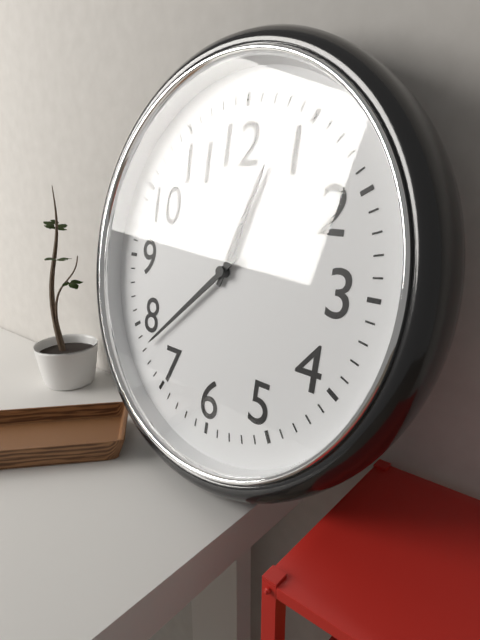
12:38
